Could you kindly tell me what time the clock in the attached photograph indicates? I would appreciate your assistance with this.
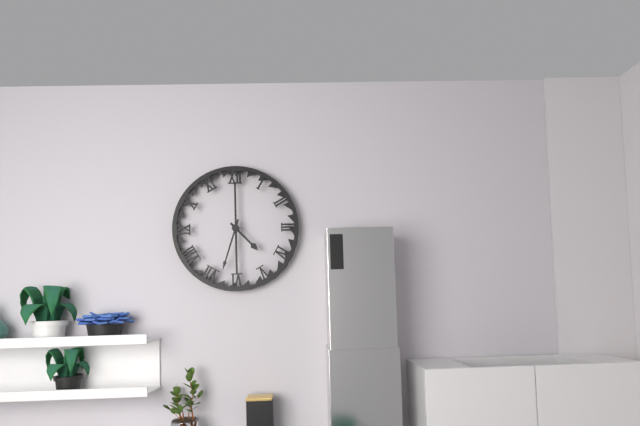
4:33
